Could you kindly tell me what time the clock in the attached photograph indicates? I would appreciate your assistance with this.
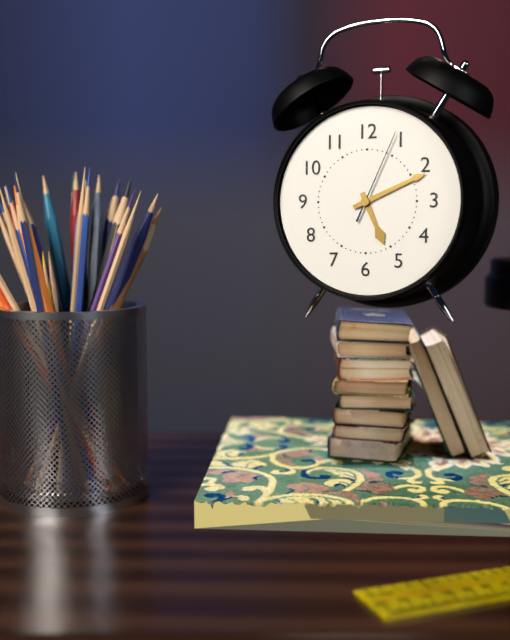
5:11:04
